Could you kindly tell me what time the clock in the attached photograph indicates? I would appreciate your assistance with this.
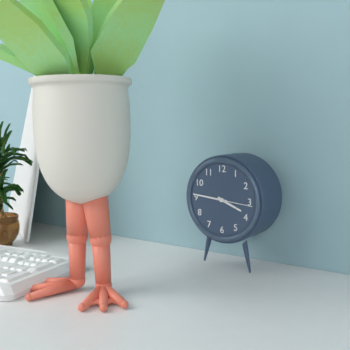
3:46
